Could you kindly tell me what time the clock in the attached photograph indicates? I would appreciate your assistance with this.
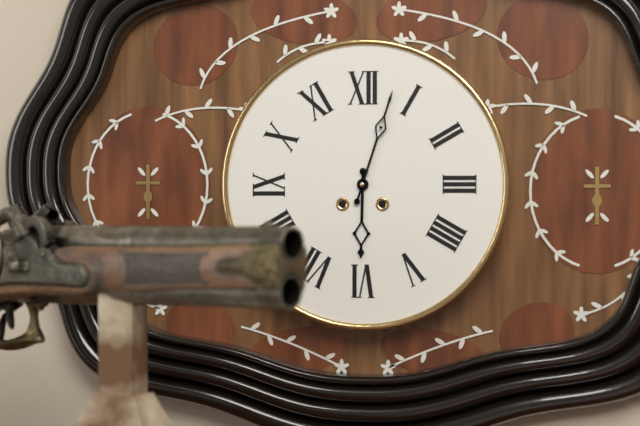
6:03
